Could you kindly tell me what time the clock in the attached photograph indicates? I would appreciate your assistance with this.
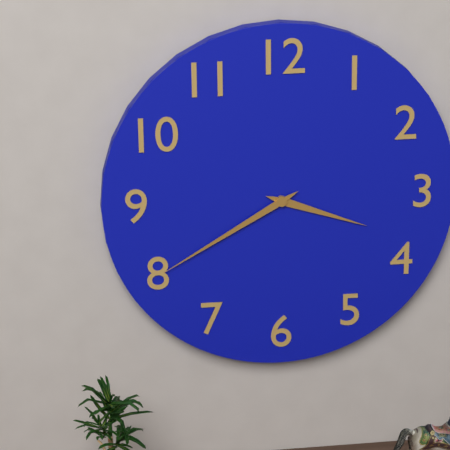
3:40
